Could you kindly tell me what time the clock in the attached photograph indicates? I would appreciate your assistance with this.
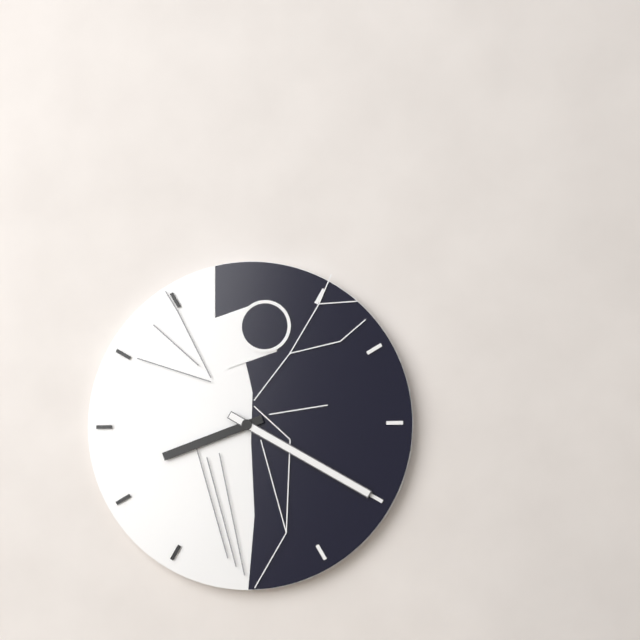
8:20
